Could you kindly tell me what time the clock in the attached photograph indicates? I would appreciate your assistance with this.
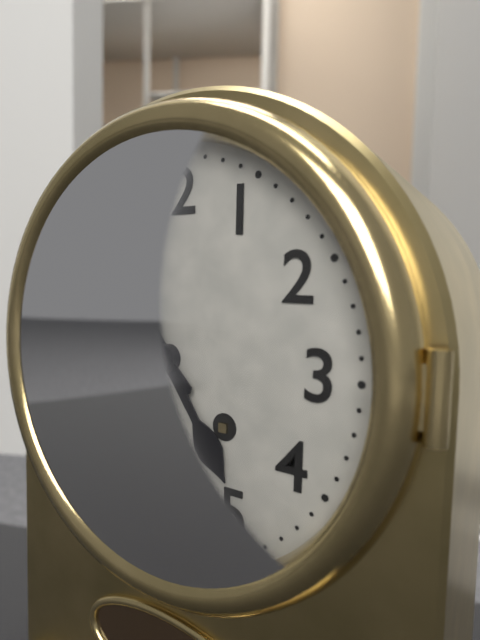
4:52
